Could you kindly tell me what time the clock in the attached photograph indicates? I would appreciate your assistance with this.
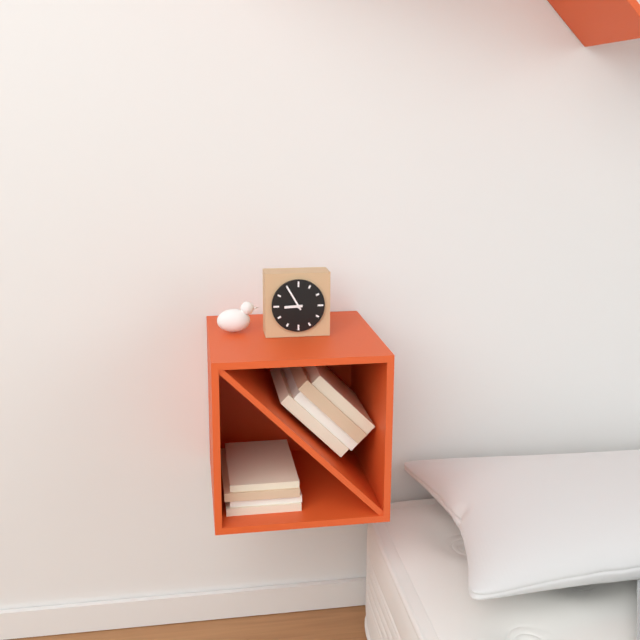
8:55
